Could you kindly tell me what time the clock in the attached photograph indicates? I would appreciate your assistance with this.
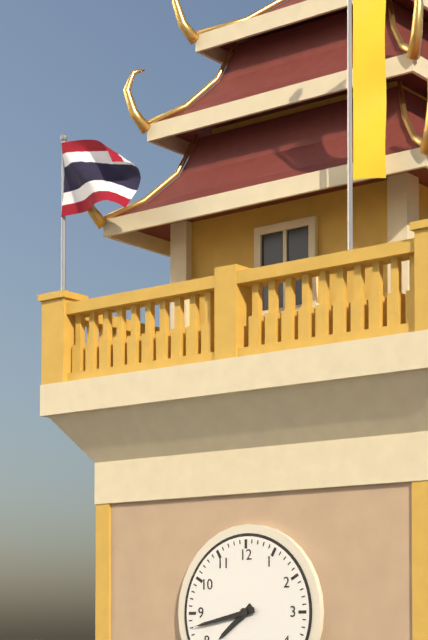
7:43
